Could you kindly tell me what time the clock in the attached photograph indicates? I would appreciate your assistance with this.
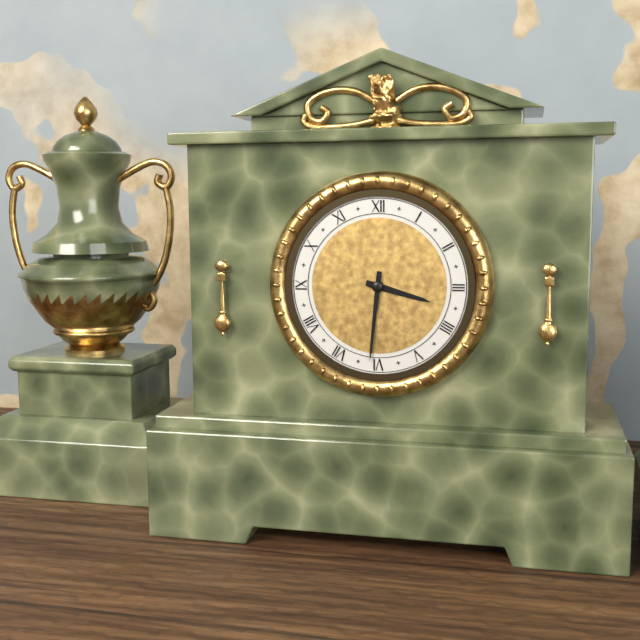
3:31
